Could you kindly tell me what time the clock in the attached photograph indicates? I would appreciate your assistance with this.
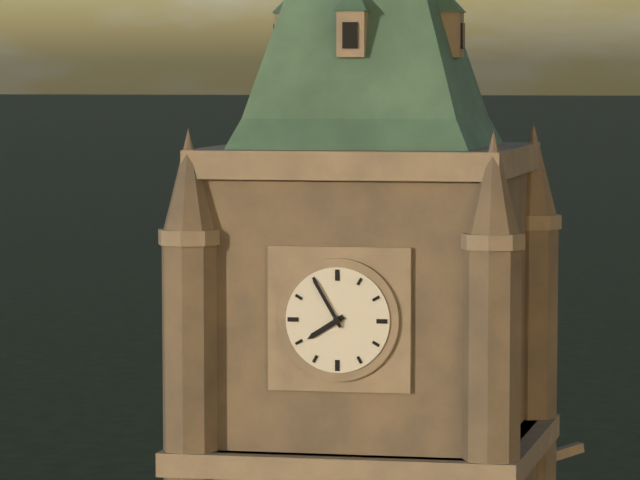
7:55
